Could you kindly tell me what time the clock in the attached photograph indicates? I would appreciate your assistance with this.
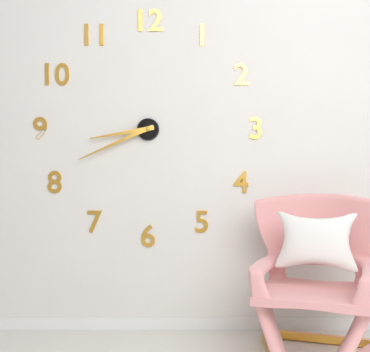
8:41
